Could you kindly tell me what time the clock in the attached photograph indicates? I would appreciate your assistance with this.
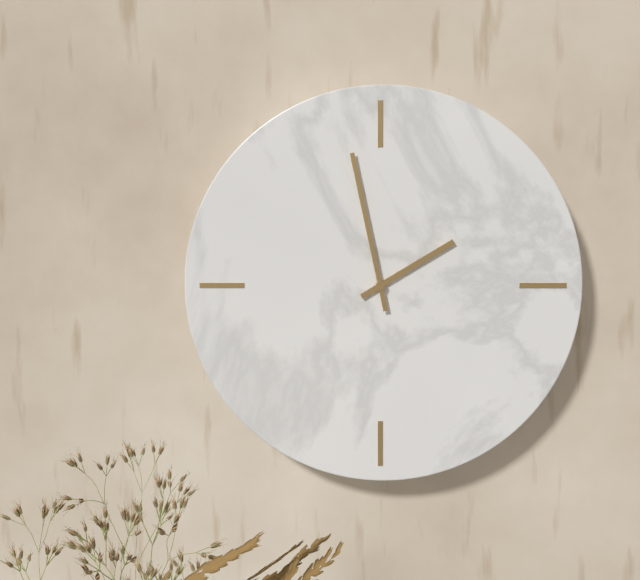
1:58
